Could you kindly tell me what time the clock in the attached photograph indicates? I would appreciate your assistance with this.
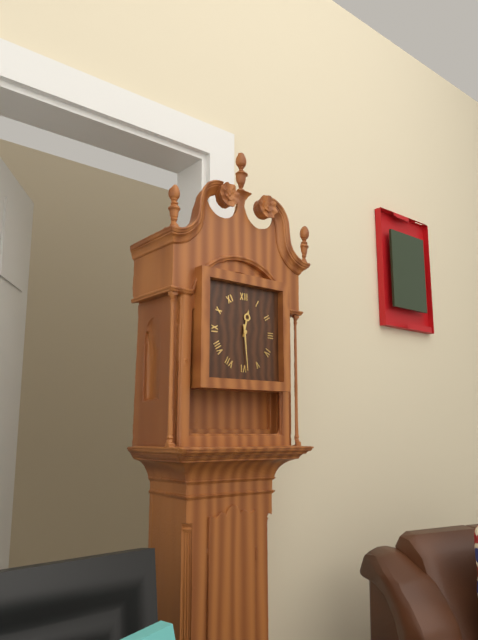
12:29
